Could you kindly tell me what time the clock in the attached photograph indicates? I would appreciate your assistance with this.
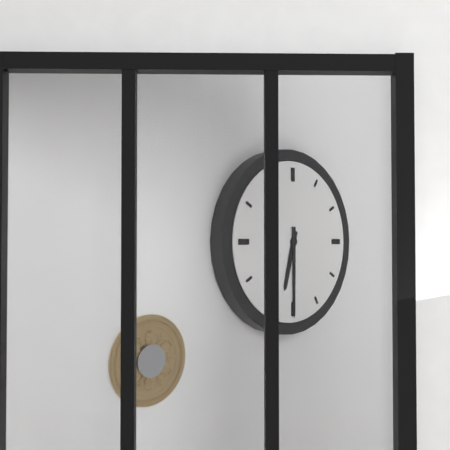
6:30
